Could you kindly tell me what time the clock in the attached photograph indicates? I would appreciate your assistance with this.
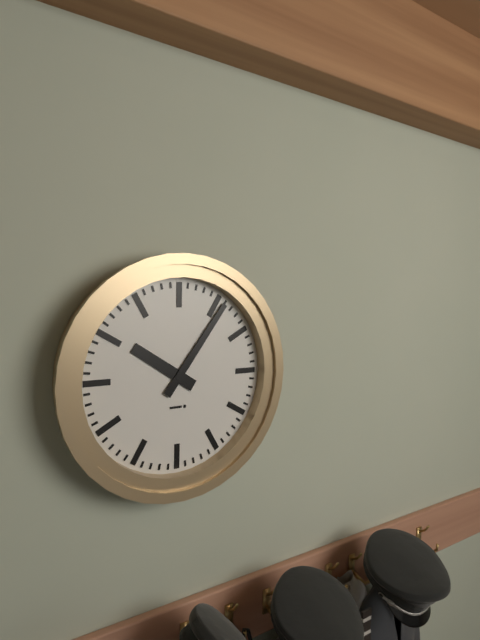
10:06
